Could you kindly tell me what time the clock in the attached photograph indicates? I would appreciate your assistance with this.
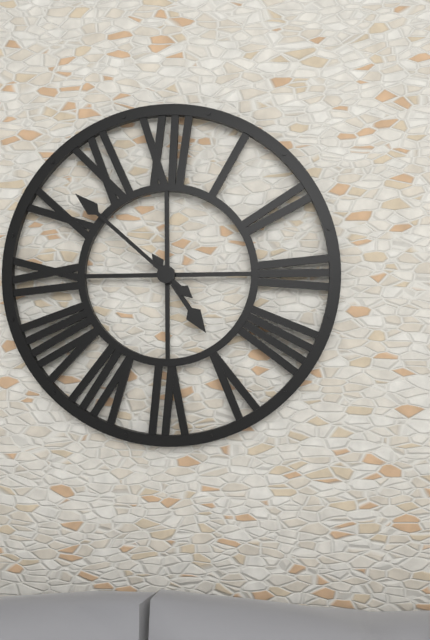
4:52
